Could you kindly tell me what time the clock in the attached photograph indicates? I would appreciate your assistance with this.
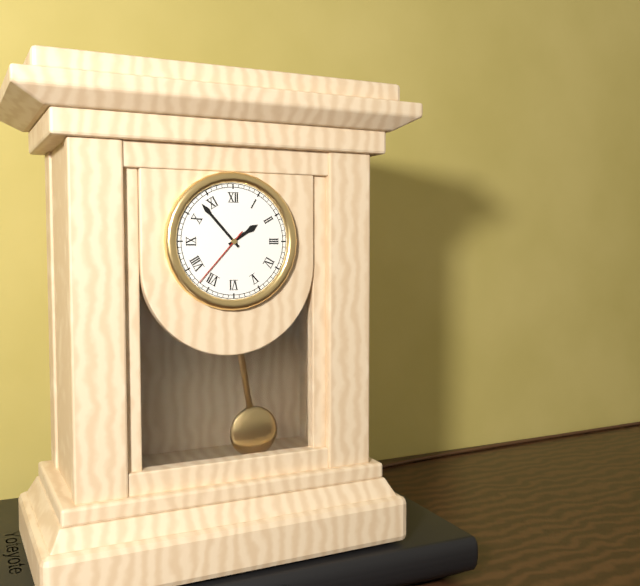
1:53:37
